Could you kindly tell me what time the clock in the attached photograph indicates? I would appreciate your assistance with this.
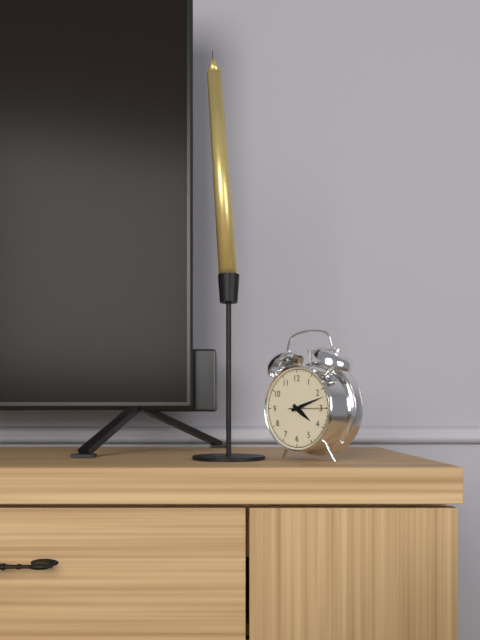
4:12
